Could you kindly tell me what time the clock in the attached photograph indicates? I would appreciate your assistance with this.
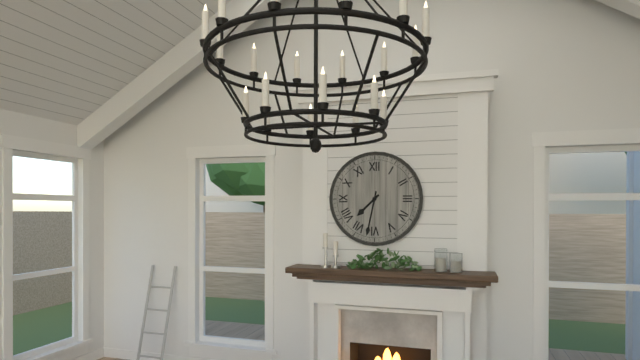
7:32
